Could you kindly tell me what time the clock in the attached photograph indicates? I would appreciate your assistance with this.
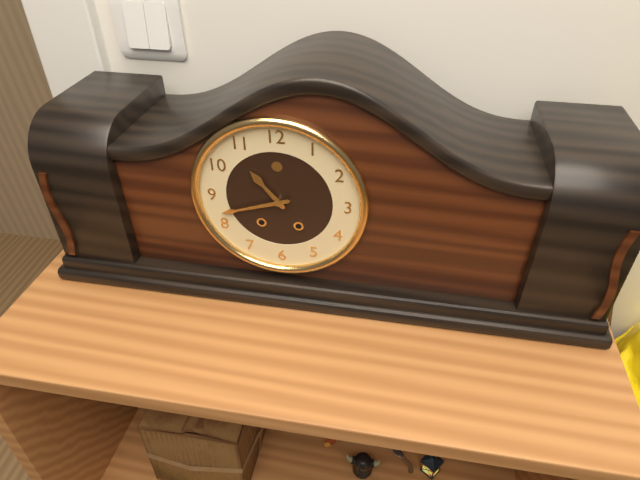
10:42
